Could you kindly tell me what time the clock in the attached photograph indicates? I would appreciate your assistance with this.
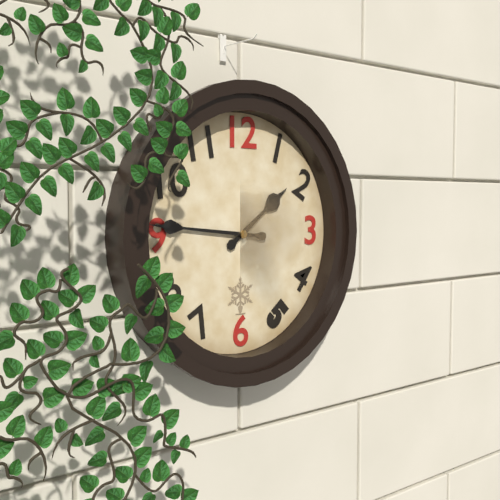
1:46
